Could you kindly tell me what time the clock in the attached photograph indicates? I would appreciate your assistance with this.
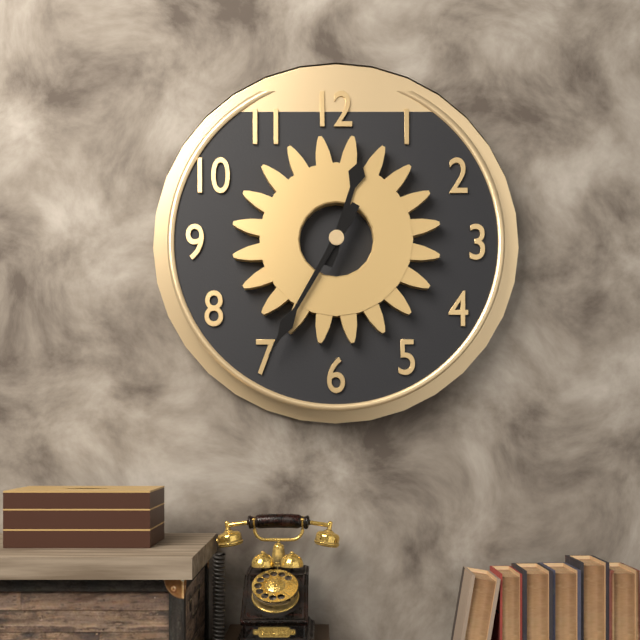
12:35
